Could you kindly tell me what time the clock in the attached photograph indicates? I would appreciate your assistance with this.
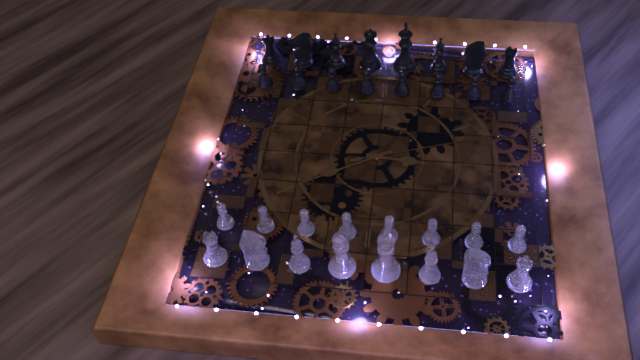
9:10:42
